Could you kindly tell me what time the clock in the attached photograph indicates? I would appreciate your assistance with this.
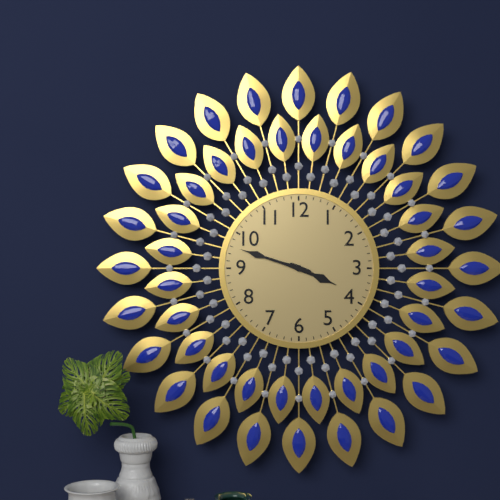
3:48
